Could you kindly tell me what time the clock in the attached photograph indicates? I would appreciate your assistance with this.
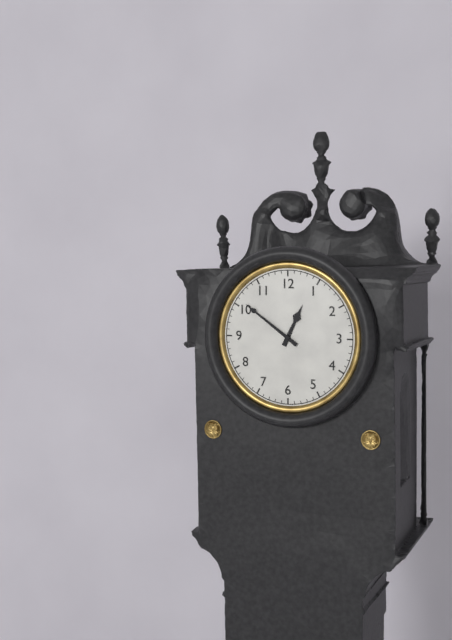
12:51
